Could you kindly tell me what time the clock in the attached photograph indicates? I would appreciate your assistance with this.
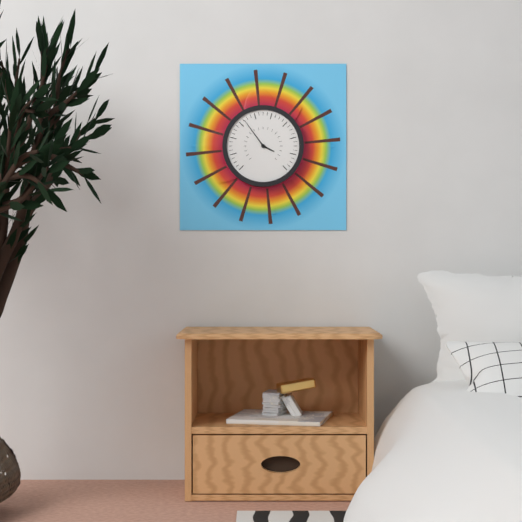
3:54
